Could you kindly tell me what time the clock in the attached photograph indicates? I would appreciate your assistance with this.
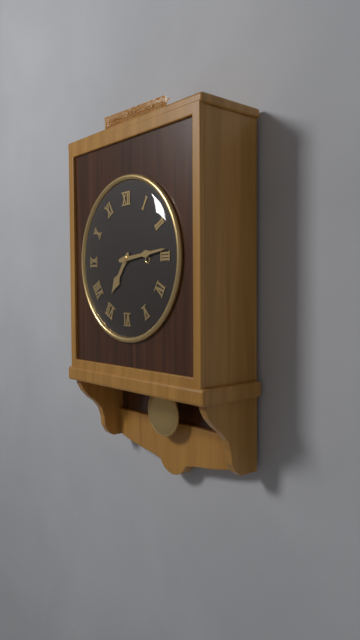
7:14
